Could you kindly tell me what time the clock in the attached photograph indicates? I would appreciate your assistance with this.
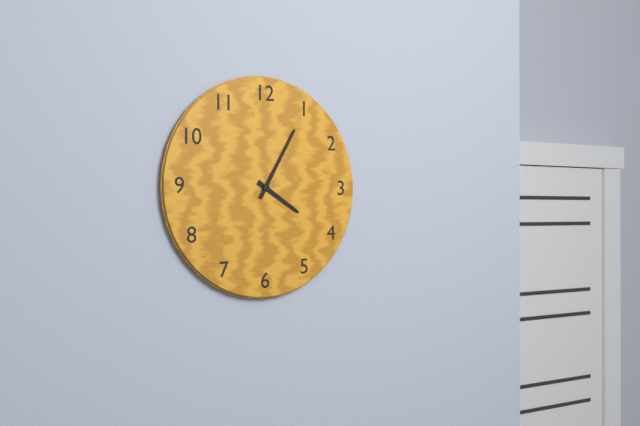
4:05
